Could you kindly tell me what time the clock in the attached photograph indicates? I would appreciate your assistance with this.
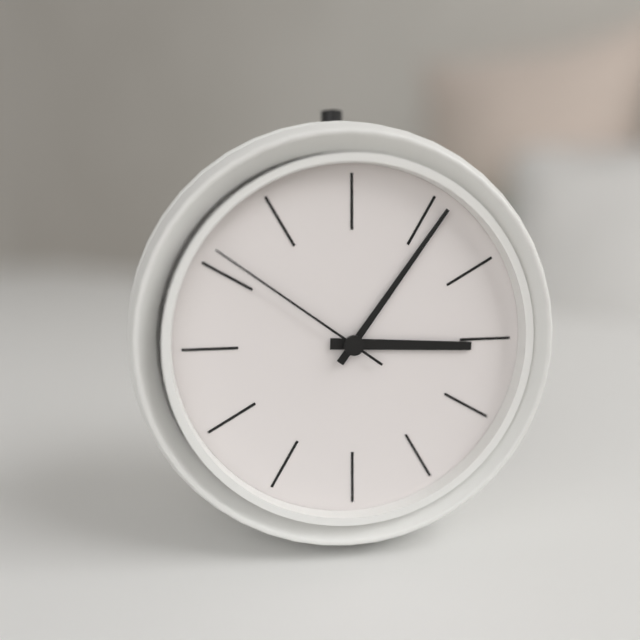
3:06:51
